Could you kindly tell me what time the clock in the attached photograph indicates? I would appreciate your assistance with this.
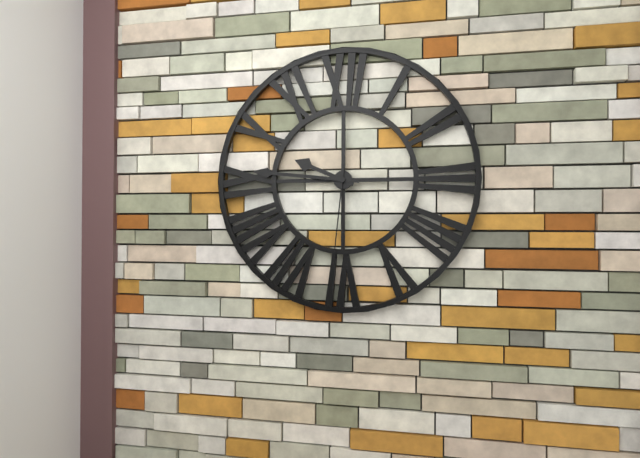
9:46:31
